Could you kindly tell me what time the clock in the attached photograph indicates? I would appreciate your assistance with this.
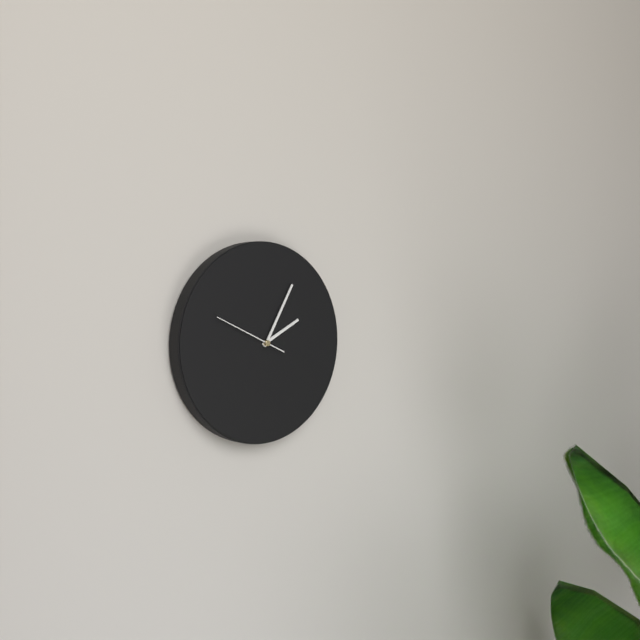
2:05:49
